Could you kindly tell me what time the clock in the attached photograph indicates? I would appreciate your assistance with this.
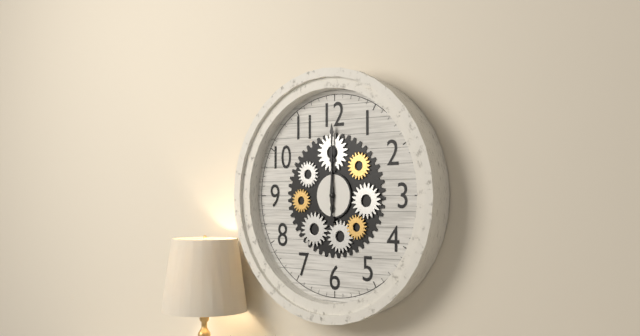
12:00
